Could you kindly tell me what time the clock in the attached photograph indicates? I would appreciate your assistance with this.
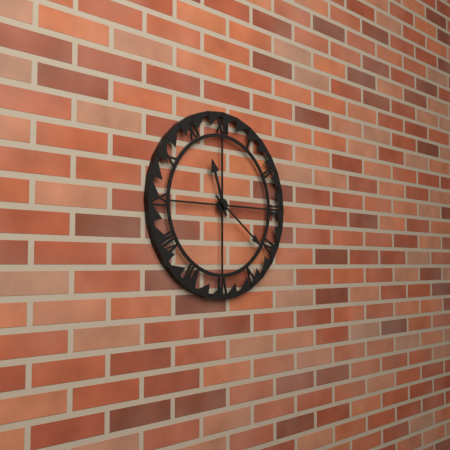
11:21
